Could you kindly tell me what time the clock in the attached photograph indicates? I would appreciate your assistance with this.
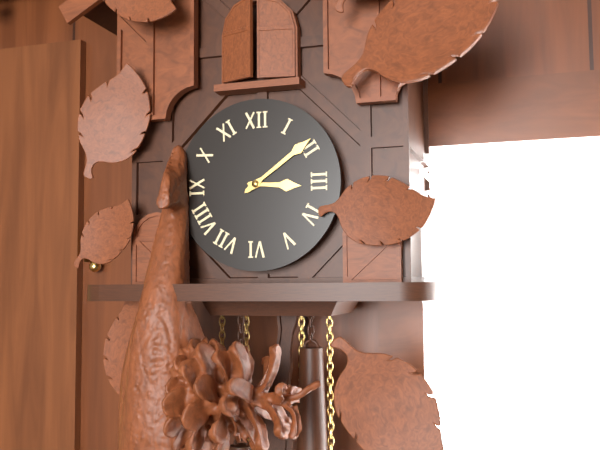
3:09
